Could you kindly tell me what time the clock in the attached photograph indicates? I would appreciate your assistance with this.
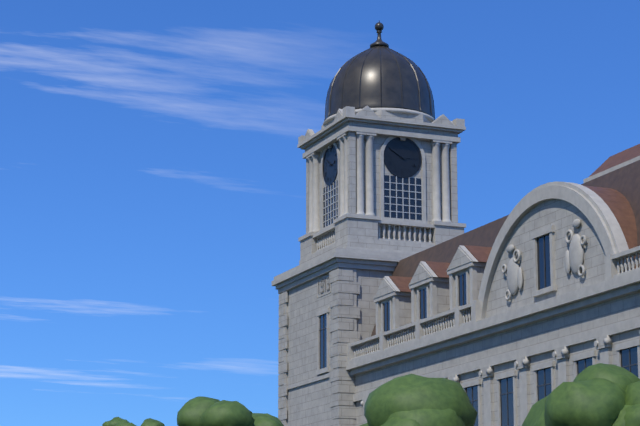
2:50
